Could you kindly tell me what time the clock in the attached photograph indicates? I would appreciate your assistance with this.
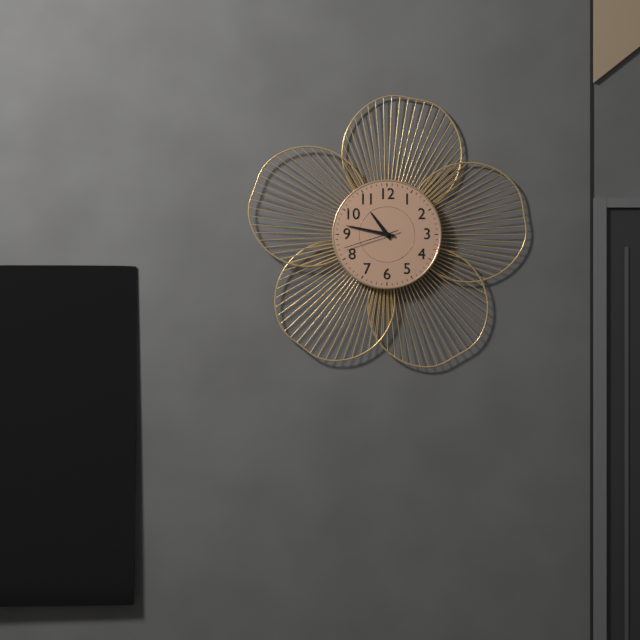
10:47:42
